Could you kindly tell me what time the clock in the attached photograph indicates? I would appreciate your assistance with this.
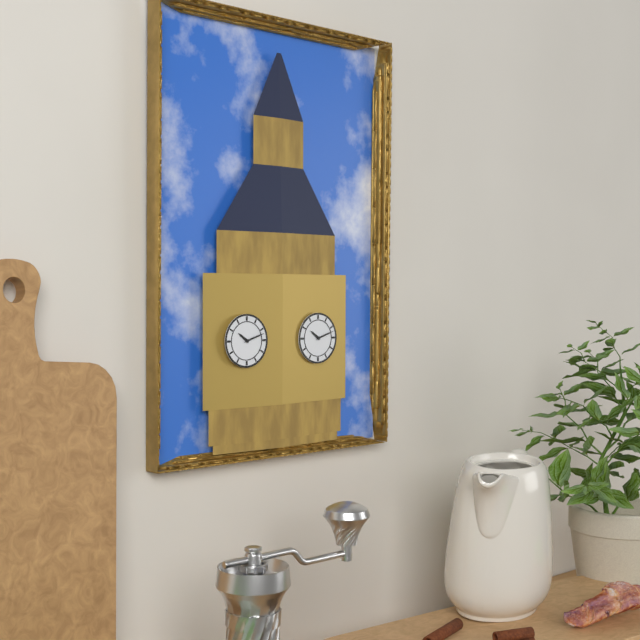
10:12
